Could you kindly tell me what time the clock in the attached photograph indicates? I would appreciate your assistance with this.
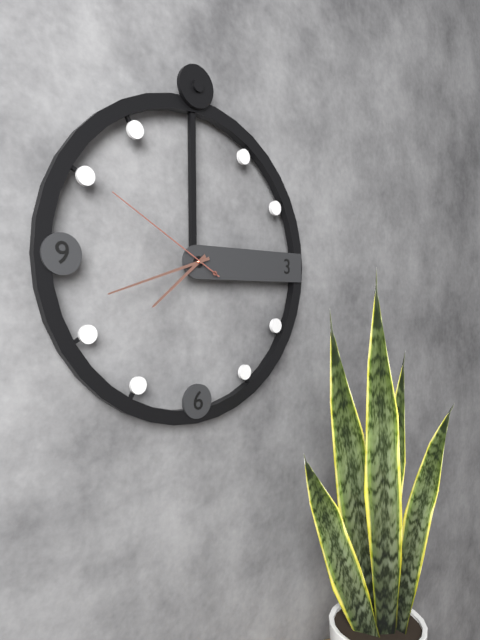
7:42:50
